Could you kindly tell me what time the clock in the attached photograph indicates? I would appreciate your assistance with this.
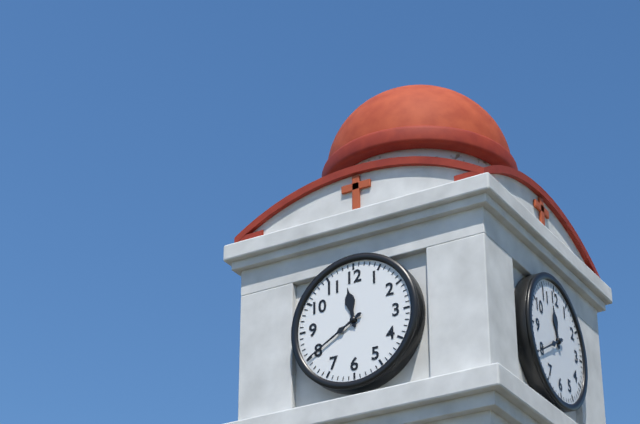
11:40
